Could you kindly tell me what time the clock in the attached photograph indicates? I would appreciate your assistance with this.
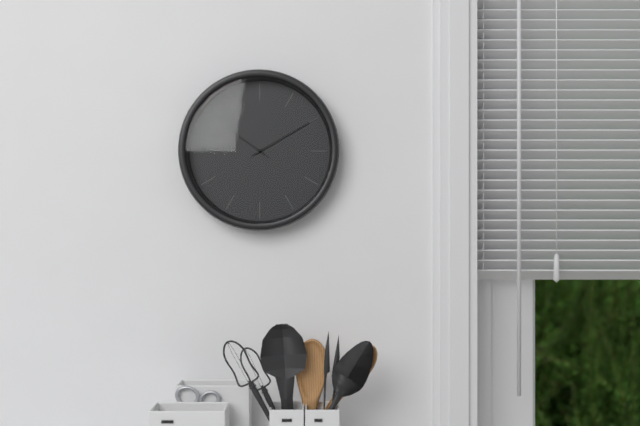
10:10:51
